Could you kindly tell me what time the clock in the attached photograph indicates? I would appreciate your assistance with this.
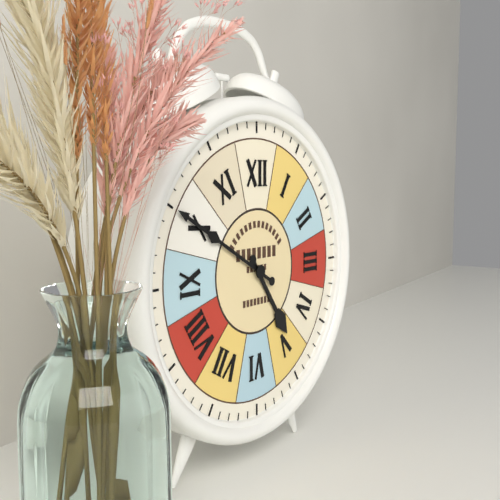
4:50
